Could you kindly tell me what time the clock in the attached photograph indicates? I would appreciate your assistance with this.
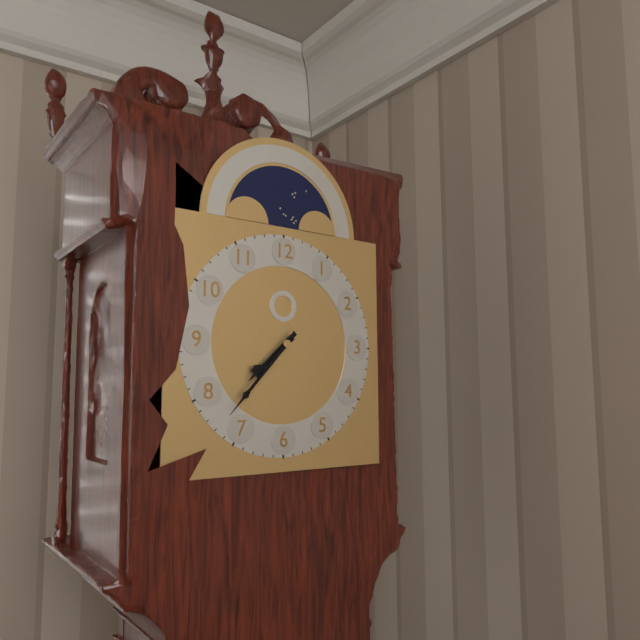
7:37
